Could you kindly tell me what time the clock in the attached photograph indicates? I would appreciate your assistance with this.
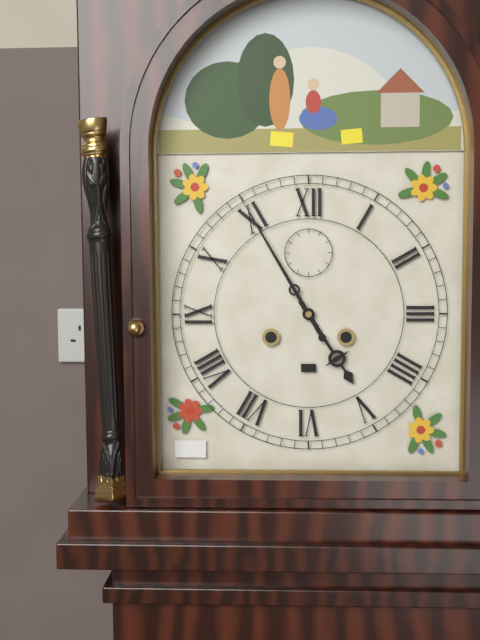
4:55
